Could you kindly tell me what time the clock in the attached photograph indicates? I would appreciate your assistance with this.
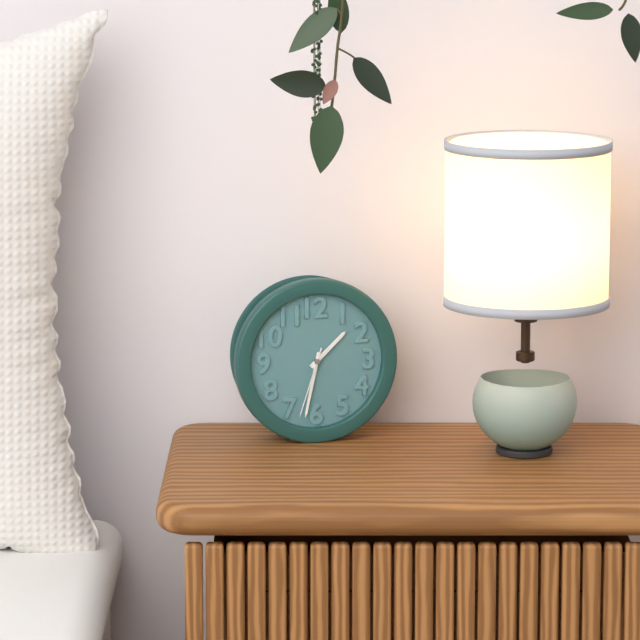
1:32:33
